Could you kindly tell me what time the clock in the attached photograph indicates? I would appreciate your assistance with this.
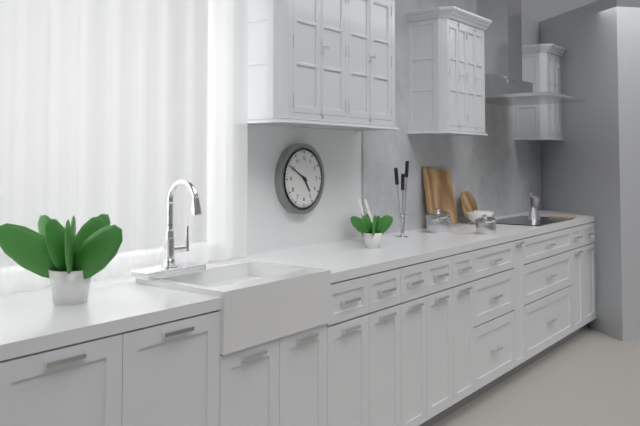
4:50
